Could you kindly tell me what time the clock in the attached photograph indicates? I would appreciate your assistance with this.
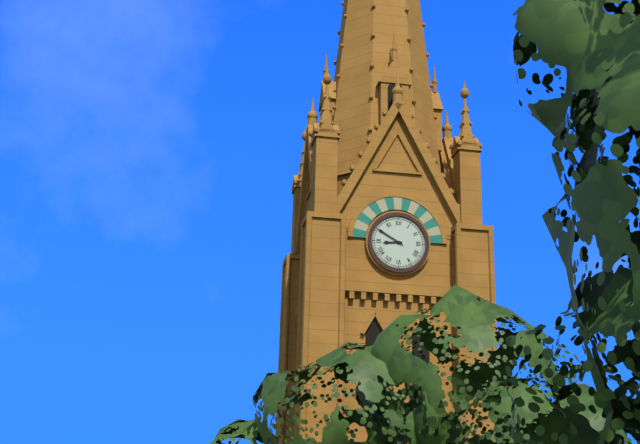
8:50
